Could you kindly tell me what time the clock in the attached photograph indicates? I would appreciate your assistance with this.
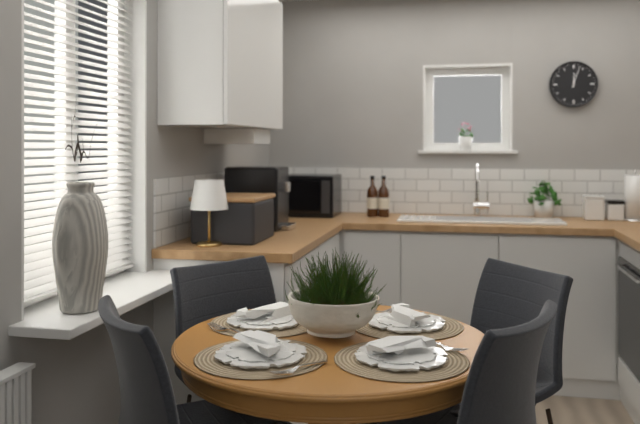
12:03
